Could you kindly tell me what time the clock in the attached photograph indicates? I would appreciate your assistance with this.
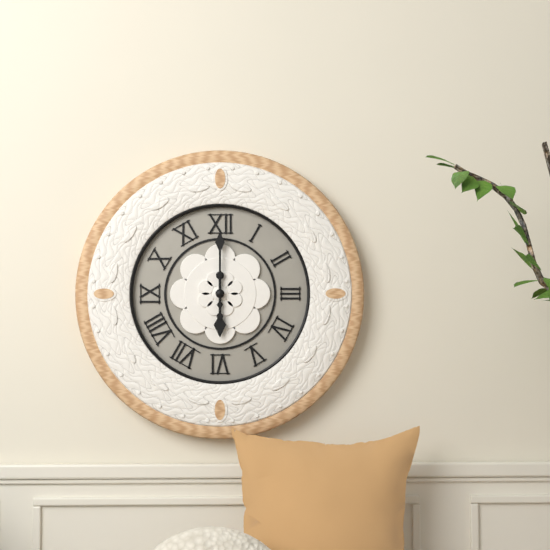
6:00
